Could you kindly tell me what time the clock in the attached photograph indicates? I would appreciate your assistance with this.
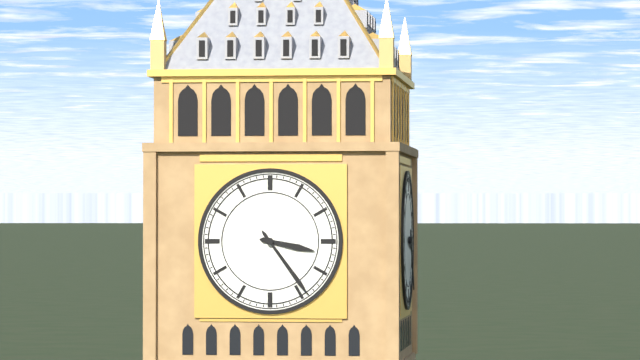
3:24
